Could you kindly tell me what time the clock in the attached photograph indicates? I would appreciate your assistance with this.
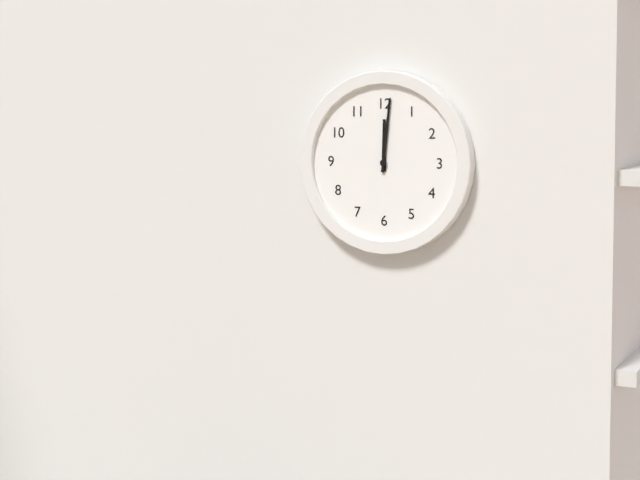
12:01
